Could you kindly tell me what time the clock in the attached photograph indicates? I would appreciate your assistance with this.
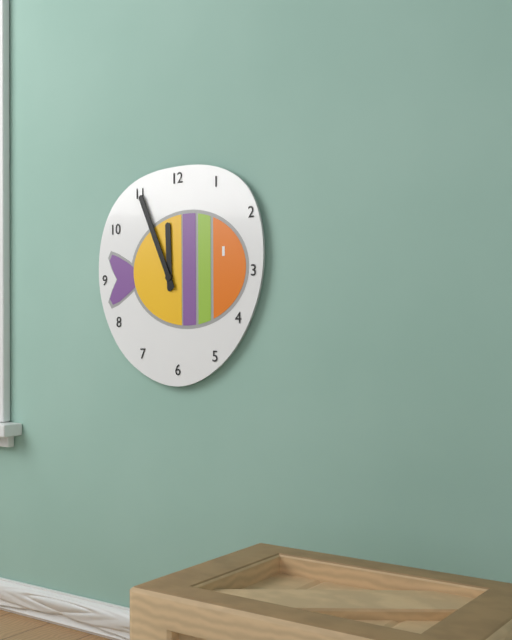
11:56
